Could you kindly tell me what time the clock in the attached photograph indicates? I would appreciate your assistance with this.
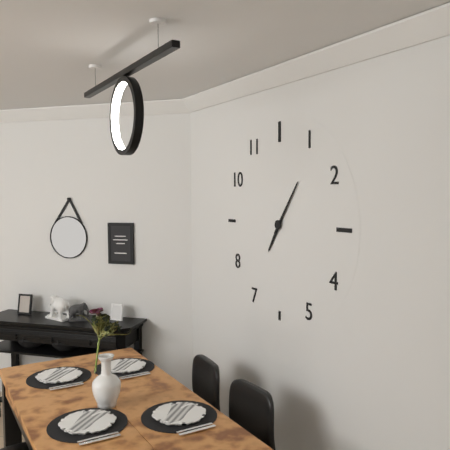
7:06
